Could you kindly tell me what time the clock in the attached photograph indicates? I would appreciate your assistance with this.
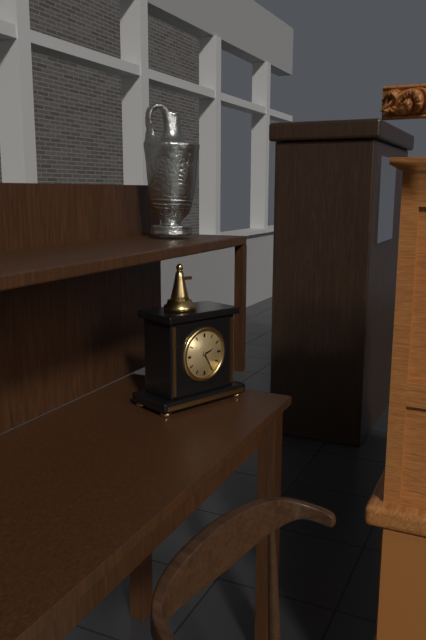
2:25
